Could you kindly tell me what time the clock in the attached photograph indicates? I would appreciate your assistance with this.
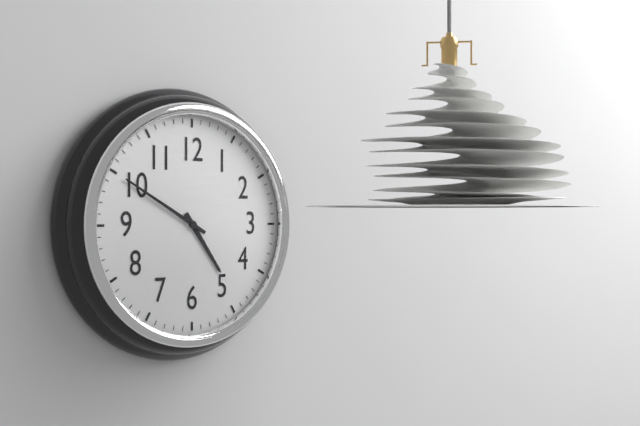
4:50
